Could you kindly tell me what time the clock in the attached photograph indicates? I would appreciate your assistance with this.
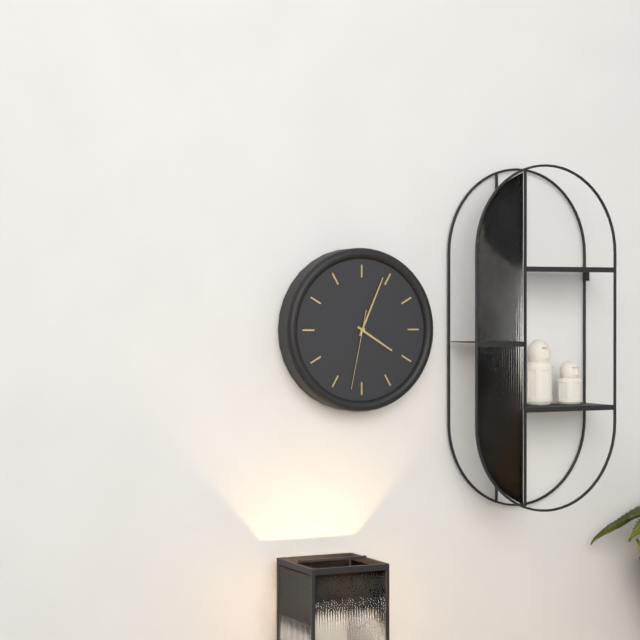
4:04:32
